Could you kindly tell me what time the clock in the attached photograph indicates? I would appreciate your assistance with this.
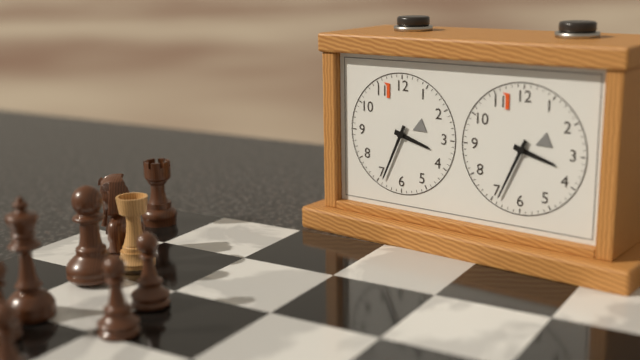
3:34
